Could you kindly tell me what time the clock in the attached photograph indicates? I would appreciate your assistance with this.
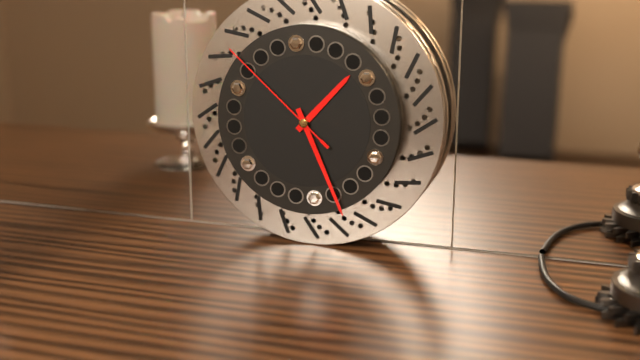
1:26:52
